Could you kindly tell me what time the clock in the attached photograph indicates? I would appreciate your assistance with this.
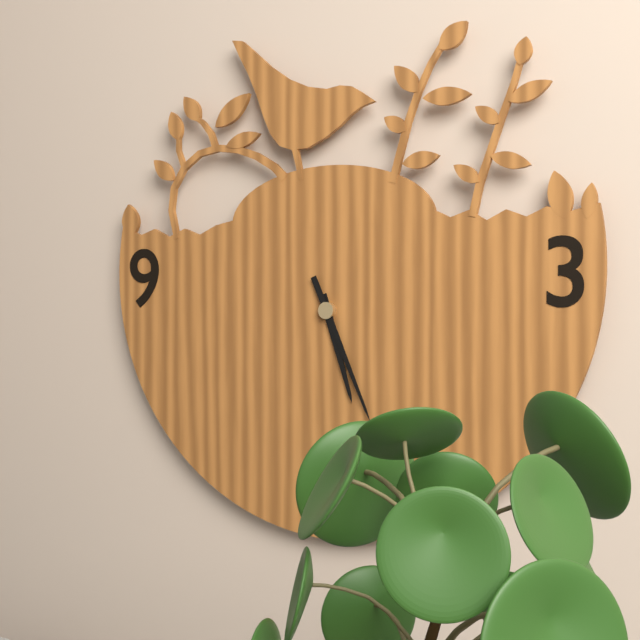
5:26
